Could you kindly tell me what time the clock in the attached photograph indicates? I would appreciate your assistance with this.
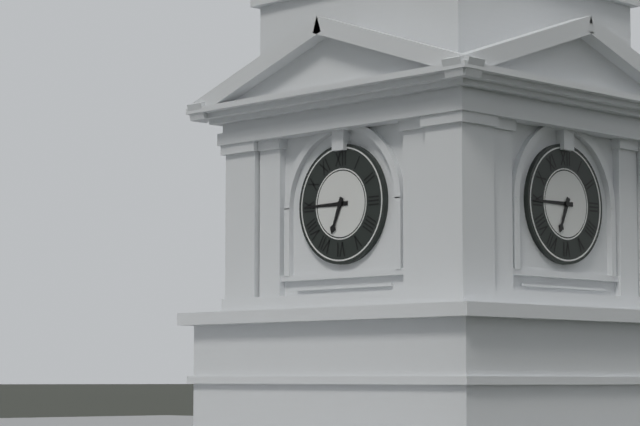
6:45
